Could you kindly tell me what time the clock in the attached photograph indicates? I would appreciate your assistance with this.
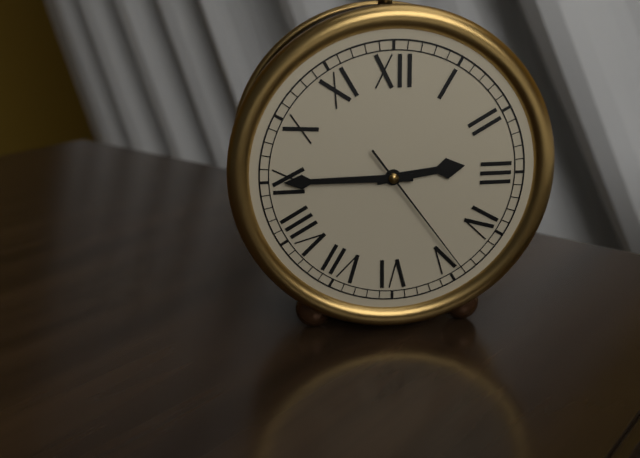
2:45:24
